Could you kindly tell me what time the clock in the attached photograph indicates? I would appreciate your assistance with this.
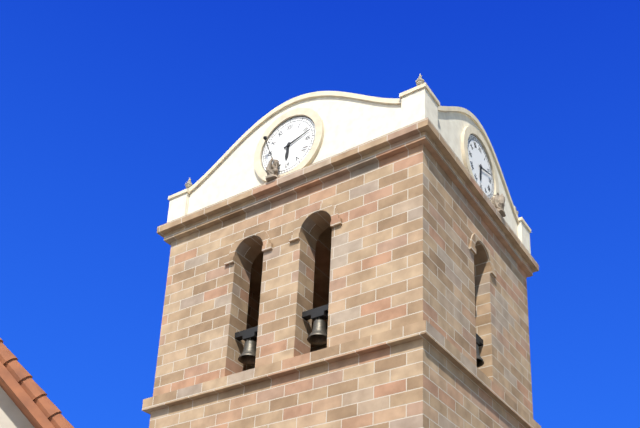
6:12
